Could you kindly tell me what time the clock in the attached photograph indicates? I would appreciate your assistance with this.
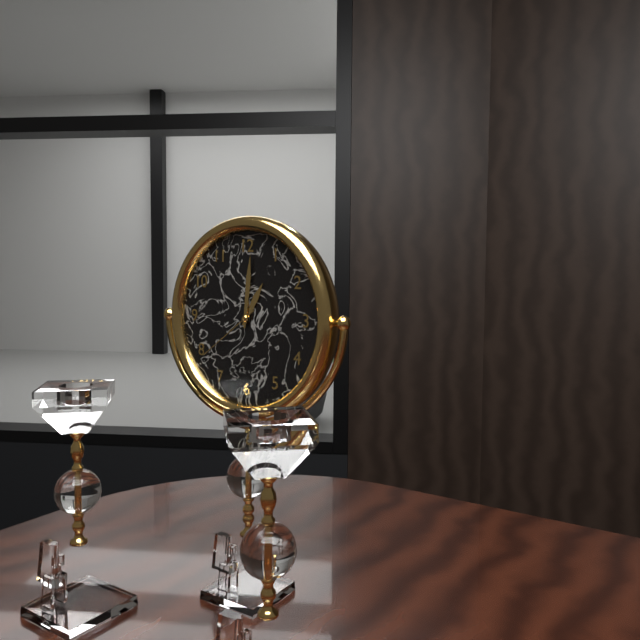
1:01:39
